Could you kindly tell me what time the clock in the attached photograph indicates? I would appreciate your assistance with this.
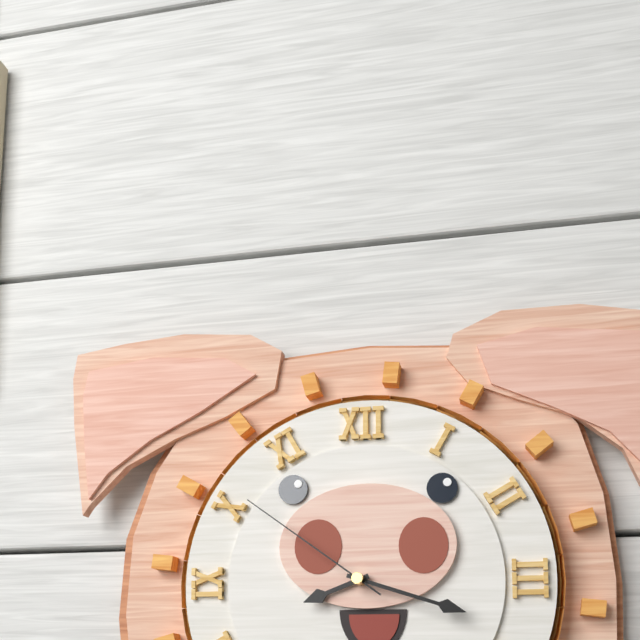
8:18:51
